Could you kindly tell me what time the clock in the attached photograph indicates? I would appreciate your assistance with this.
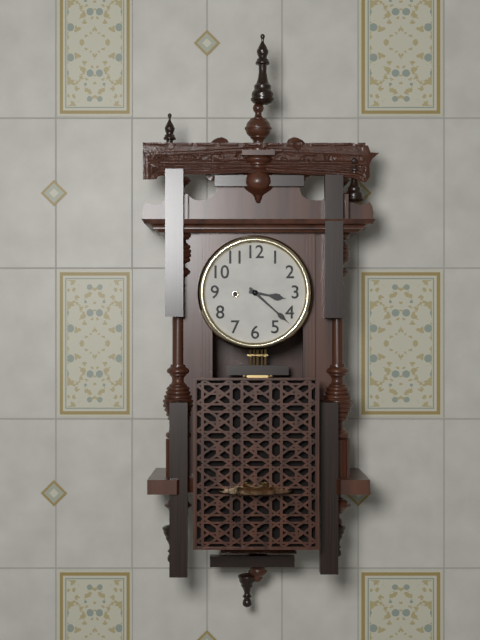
3:22
